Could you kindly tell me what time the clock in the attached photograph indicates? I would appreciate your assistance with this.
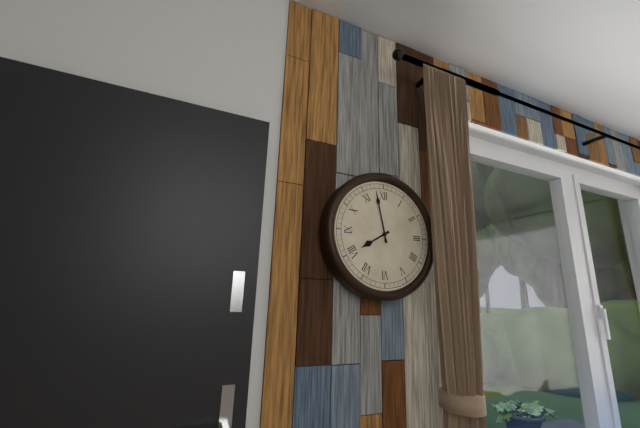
7:58
